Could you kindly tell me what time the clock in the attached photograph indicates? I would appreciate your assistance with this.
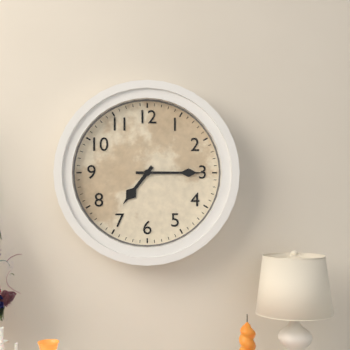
7:15
